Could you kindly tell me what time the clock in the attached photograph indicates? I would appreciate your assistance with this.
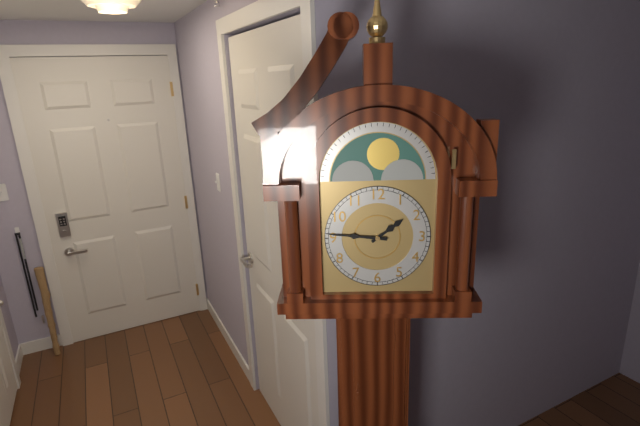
1:46
